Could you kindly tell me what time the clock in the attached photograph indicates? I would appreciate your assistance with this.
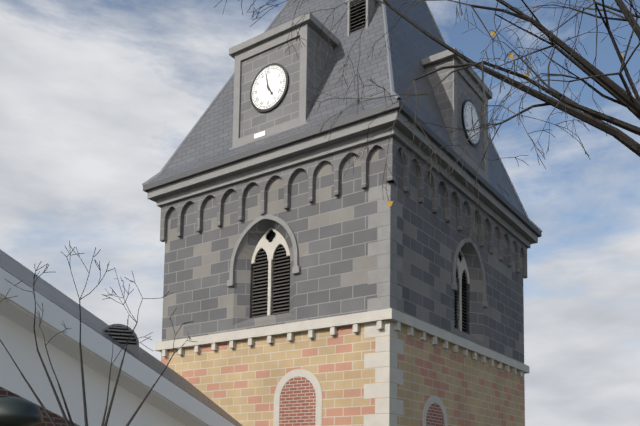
4:58
